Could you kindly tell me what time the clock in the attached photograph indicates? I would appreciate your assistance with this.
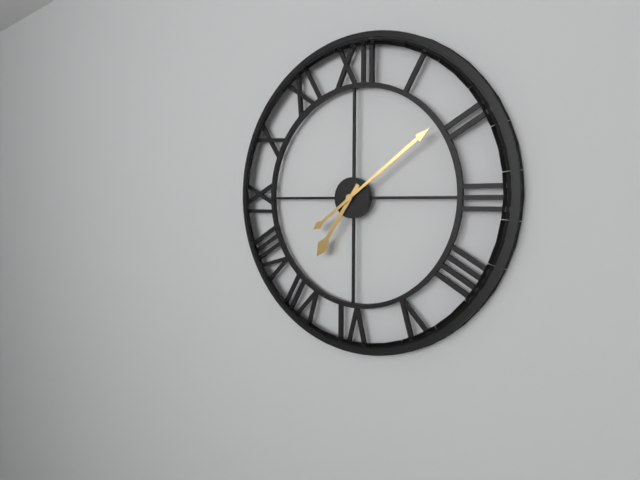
7:09
